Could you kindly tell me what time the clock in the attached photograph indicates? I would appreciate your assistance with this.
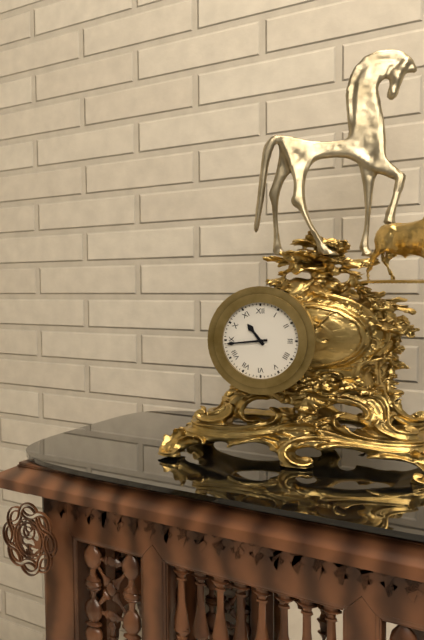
10:44
